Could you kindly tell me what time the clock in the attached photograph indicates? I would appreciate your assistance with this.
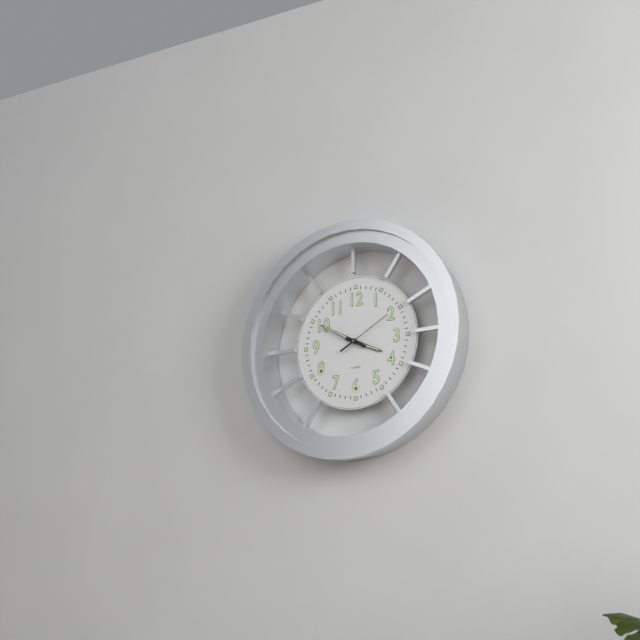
3:50:10
